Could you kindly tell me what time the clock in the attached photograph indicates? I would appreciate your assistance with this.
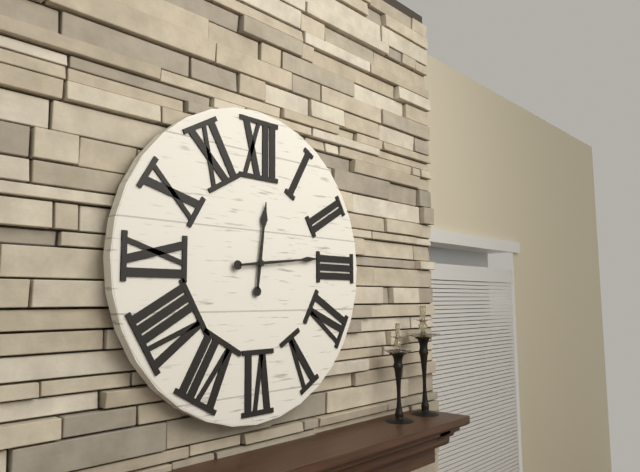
12:14
